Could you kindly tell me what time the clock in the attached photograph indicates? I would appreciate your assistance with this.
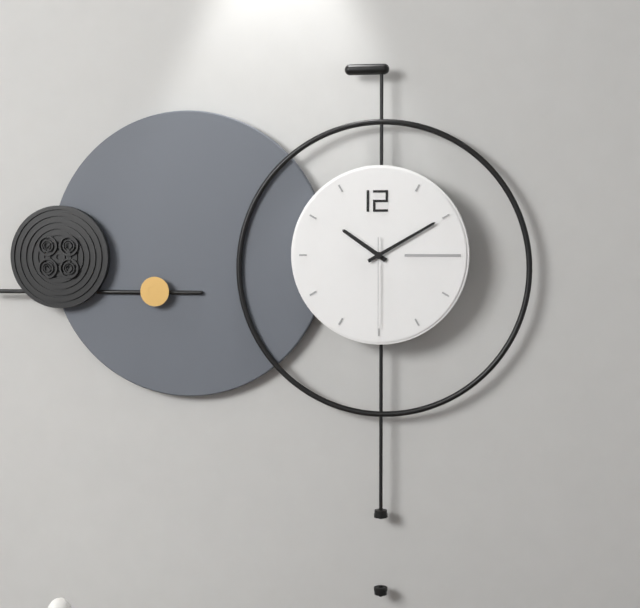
10:10:30
